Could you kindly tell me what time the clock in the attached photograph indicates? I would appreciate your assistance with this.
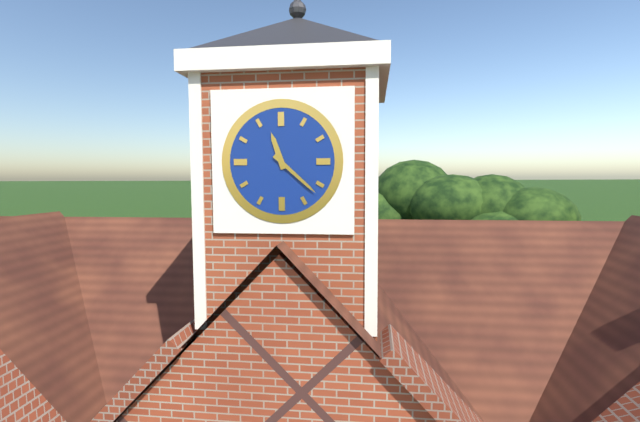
11:22
